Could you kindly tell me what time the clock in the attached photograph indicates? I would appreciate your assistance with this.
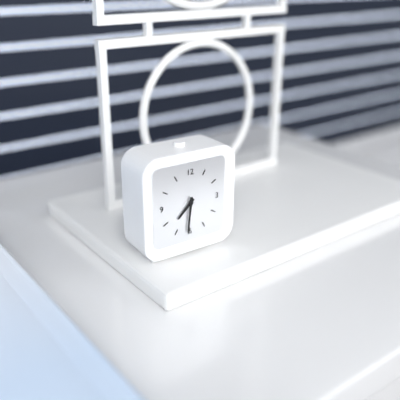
7:31
